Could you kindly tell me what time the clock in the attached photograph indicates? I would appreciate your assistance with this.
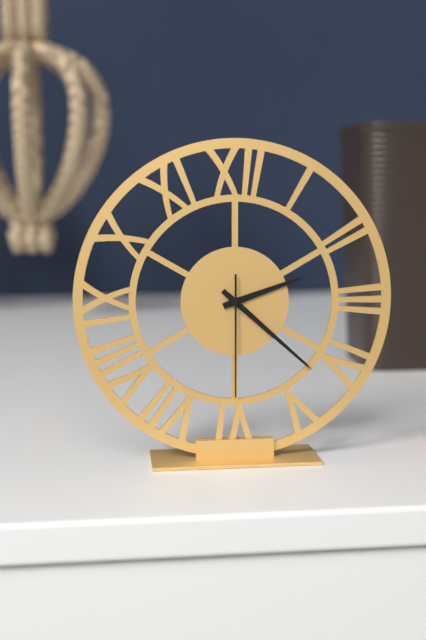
2:22:30
